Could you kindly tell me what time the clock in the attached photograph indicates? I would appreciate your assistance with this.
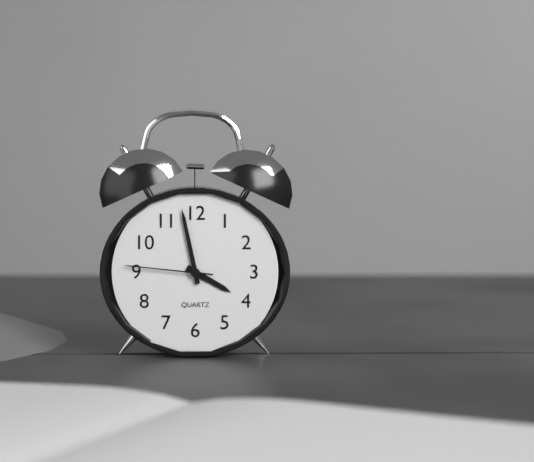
3:58:46
